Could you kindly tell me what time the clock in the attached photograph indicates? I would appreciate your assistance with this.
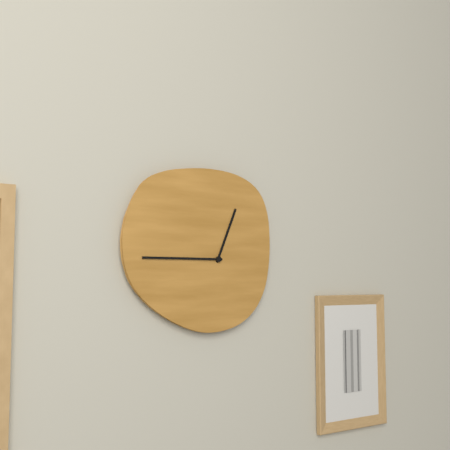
12:45
